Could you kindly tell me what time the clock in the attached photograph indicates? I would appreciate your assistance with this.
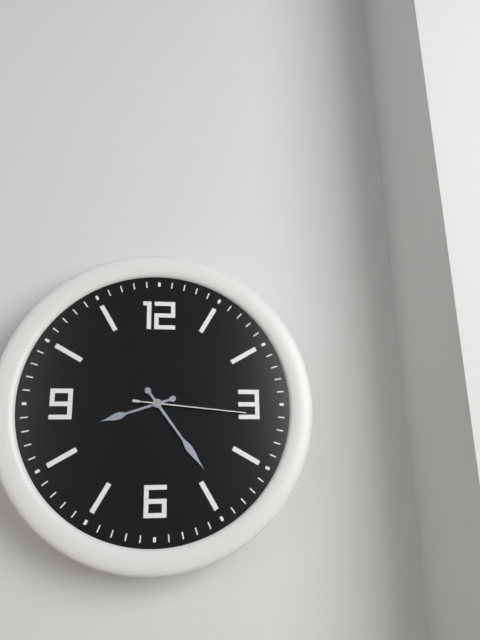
8:24:16
